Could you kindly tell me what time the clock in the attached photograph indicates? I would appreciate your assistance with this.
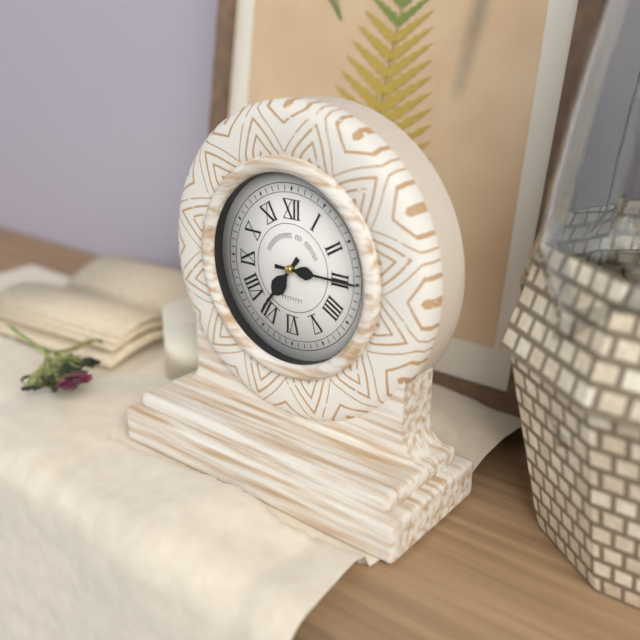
7:15
